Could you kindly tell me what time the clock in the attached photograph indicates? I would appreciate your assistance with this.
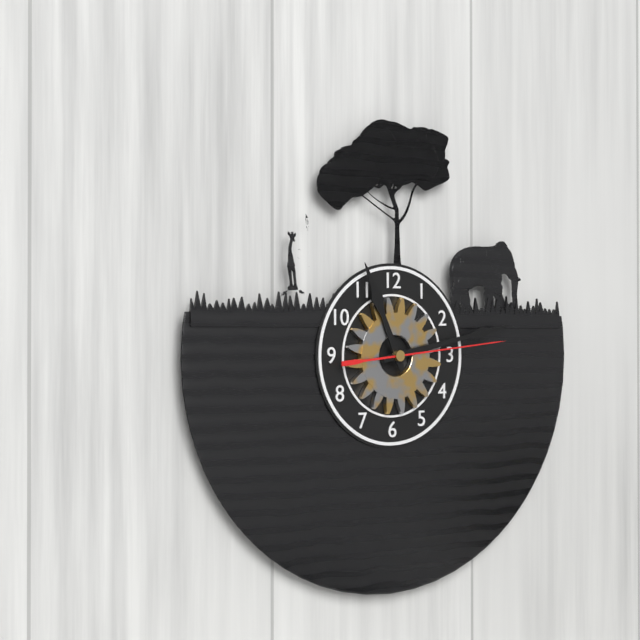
11:13:14
